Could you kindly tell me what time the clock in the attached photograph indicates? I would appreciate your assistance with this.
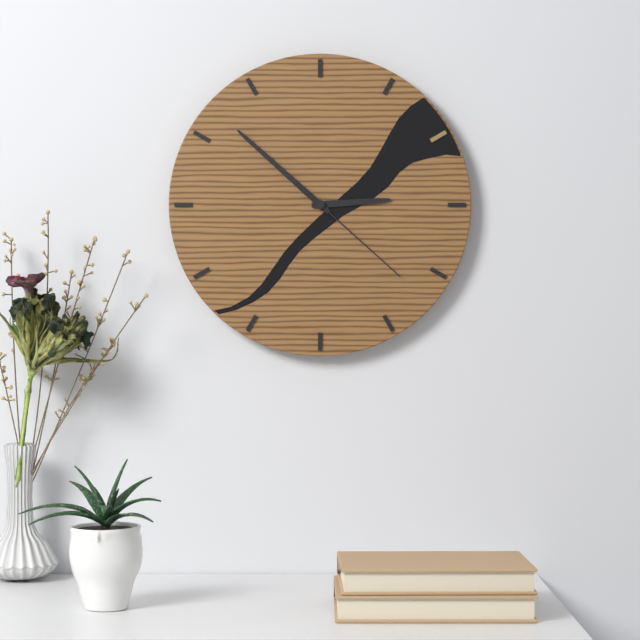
2:52:22
